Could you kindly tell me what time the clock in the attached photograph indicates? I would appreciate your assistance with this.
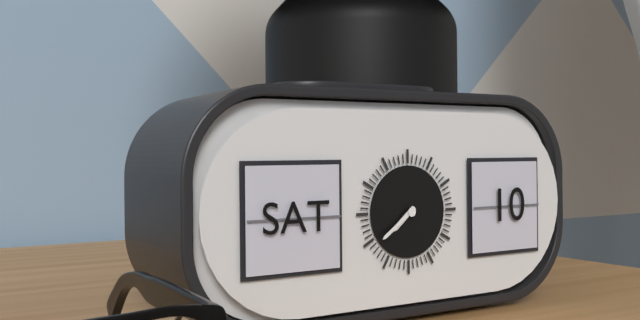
7:39
